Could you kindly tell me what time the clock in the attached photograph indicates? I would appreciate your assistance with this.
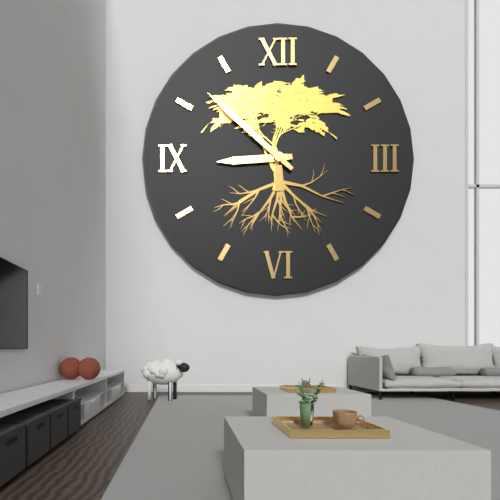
8:52
